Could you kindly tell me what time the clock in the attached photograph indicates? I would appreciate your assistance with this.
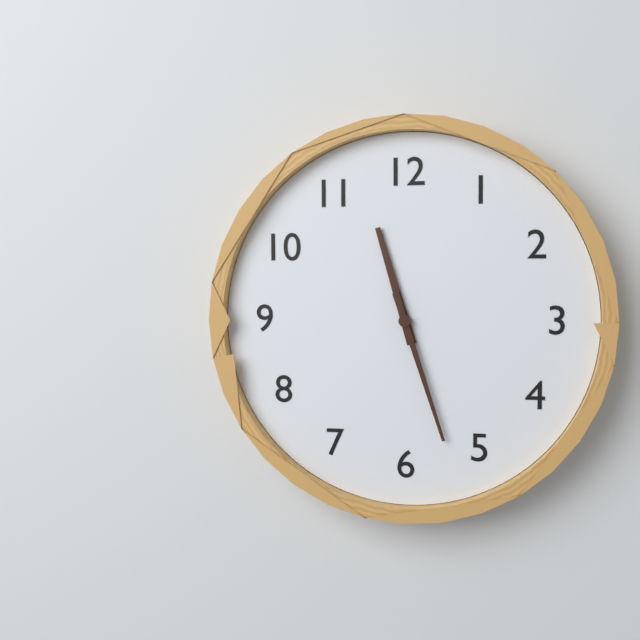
11:27
